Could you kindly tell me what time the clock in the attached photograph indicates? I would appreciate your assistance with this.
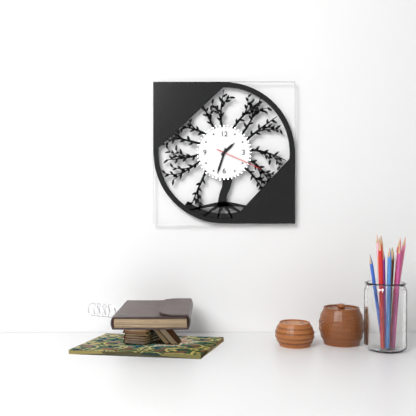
1:33
